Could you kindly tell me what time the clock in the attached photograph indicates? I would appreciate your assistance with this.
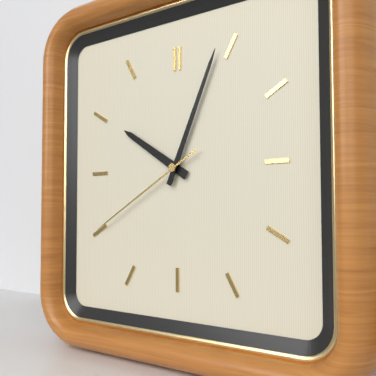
10:04:40
